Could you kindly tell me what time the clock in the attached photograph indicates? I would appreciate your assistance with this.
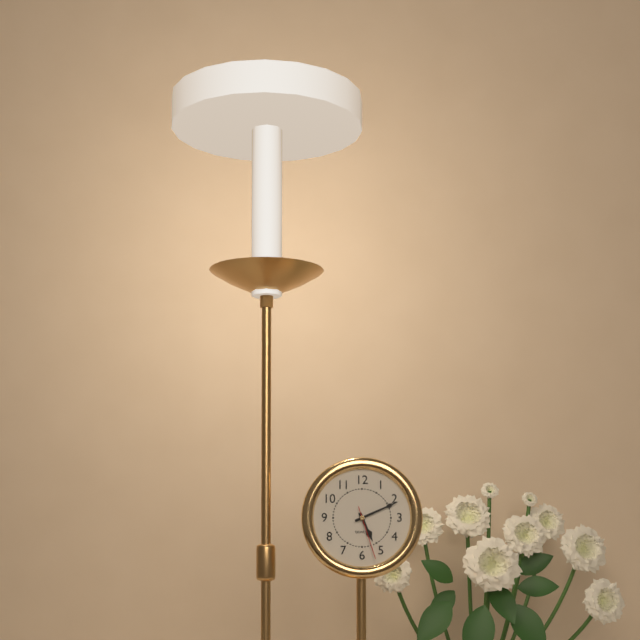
5:11:27
